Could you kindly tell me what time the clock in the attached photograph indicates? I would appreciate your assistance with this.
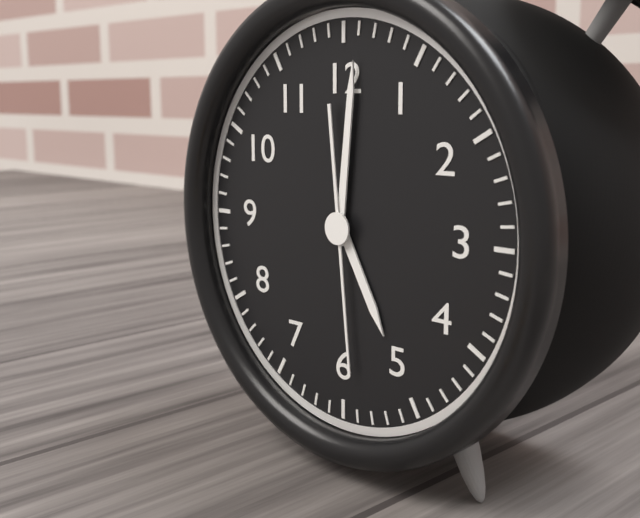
5:01:29
